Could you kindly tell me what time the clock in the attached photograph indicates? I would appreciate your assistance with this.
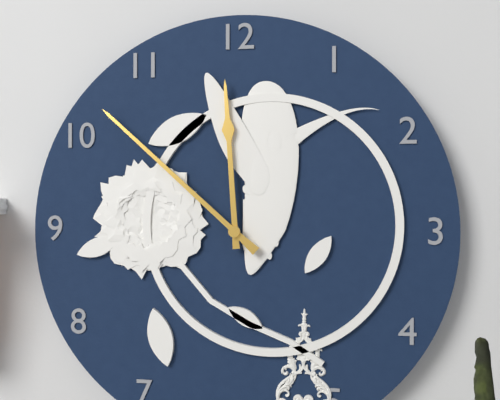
11:52
